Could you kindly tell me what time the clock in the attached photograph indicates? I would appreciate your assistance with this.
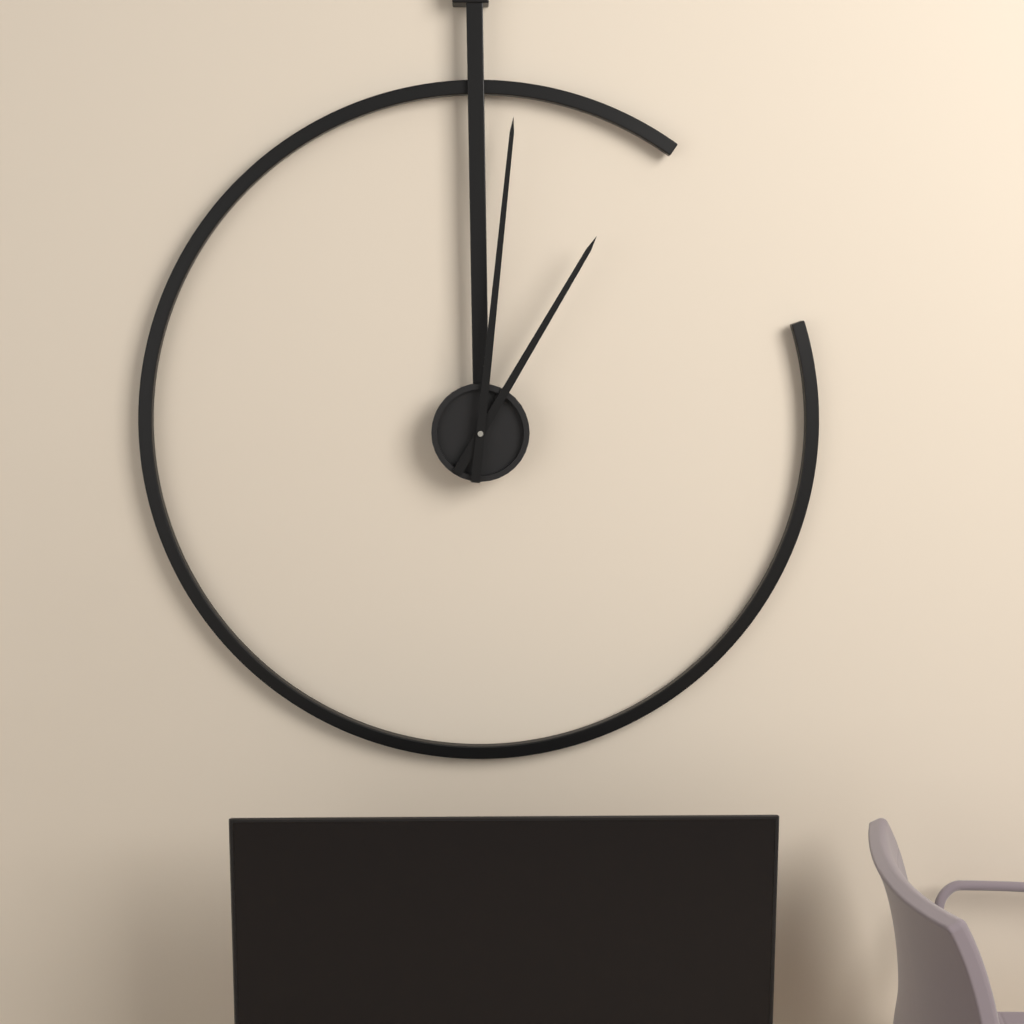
1:01
